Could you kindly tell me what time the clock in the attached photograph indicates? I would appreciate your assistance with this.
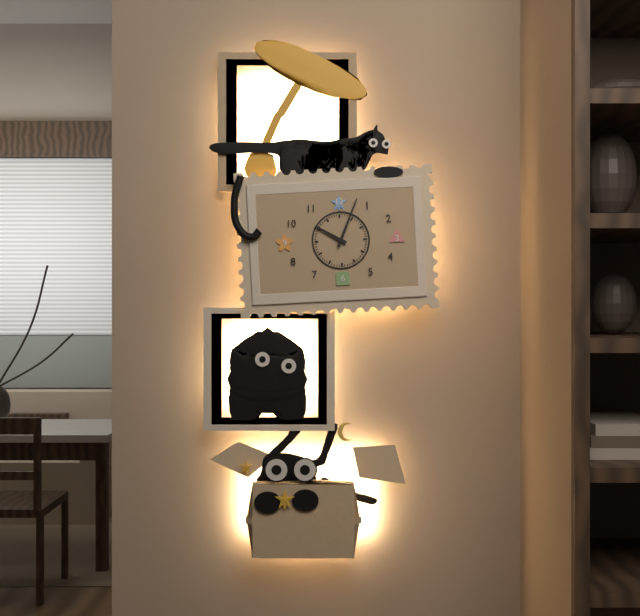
10:04
